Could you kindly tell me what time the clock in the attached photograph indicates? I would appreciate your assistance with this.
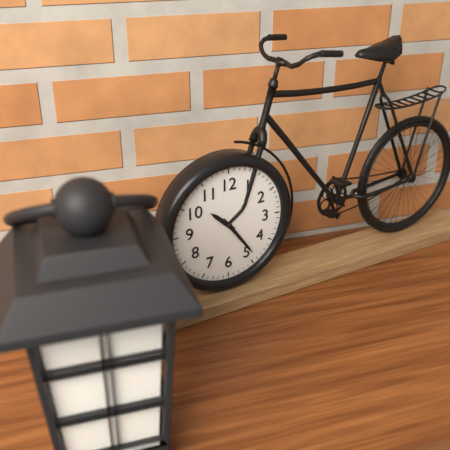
10:24
